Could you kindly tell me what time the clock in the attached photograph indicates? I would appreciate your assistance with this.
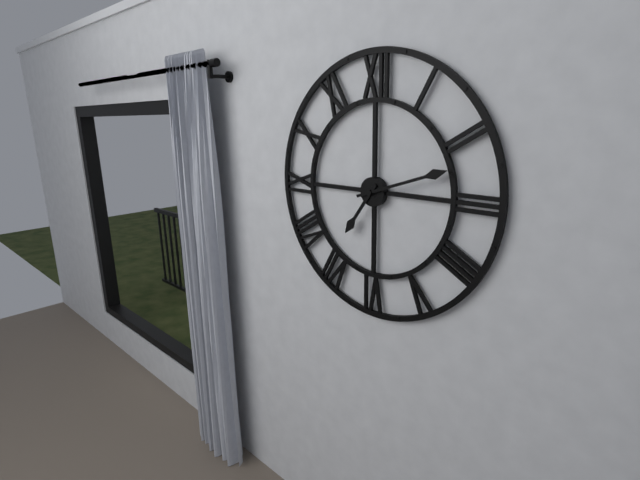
7:12
